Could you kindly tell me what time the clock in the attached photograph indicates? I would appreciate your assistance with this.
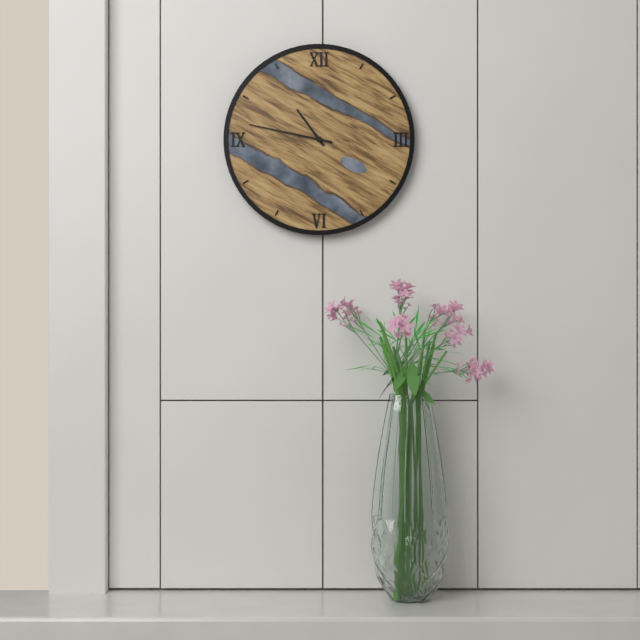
10:47
